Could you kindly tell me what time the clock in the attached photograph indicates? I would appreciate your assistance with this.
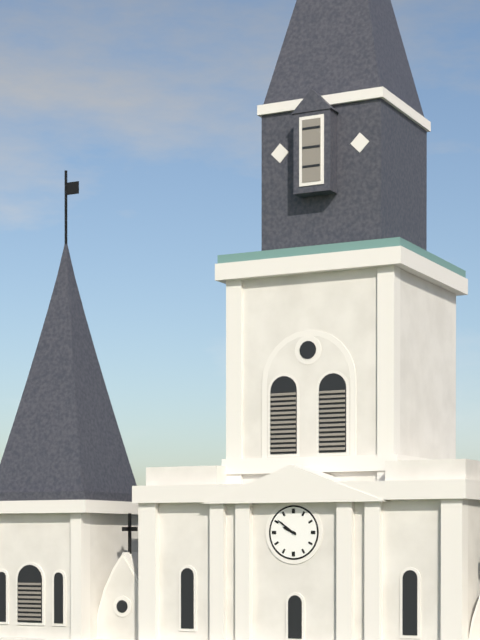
9:51
